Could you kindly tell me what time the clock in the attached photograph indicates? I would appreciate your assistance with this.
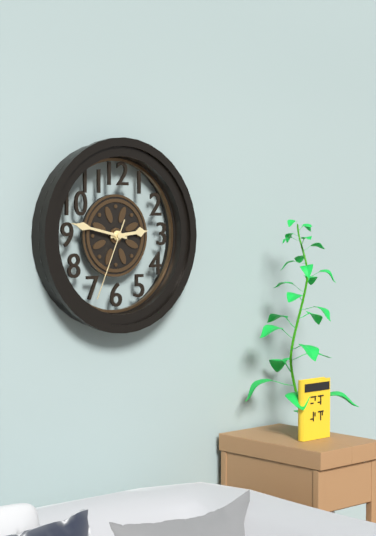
2:47:34
